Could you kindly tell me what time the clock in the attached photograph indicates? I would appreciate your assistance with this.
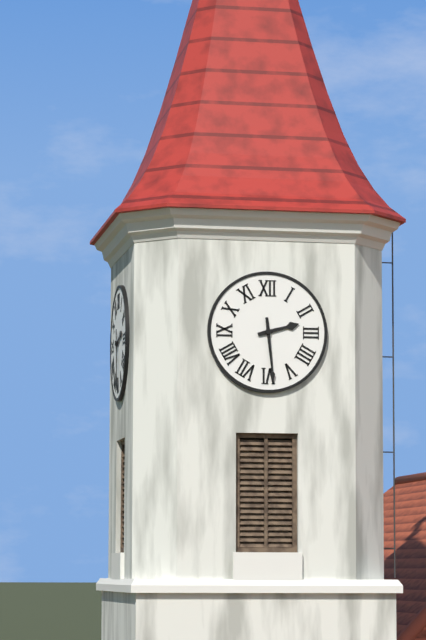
2:29
